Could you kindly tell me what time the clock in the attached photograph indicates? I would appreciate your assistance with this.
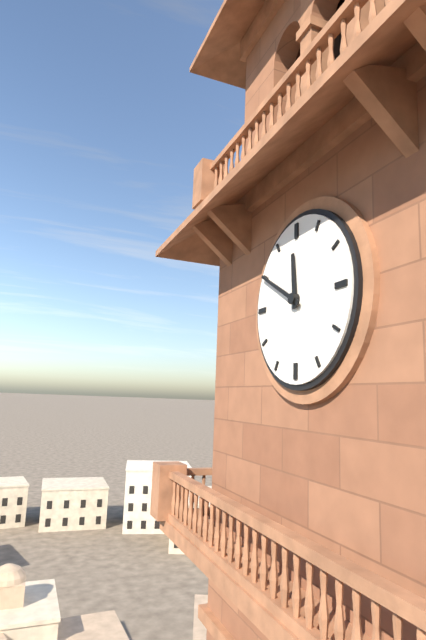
11:50
